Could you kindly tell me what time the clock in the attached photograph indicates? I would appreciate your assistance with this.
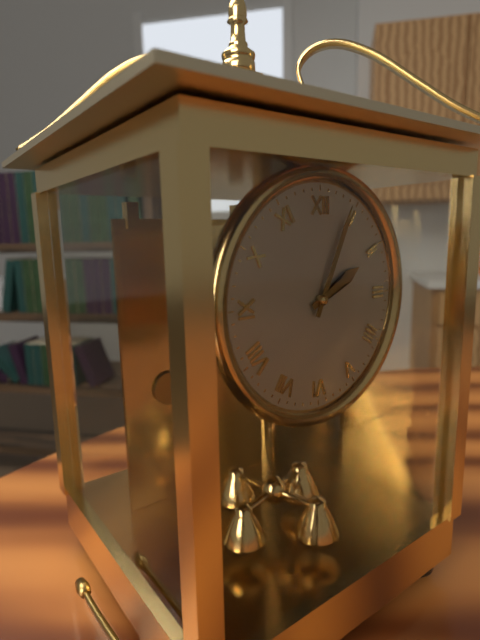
2:04
